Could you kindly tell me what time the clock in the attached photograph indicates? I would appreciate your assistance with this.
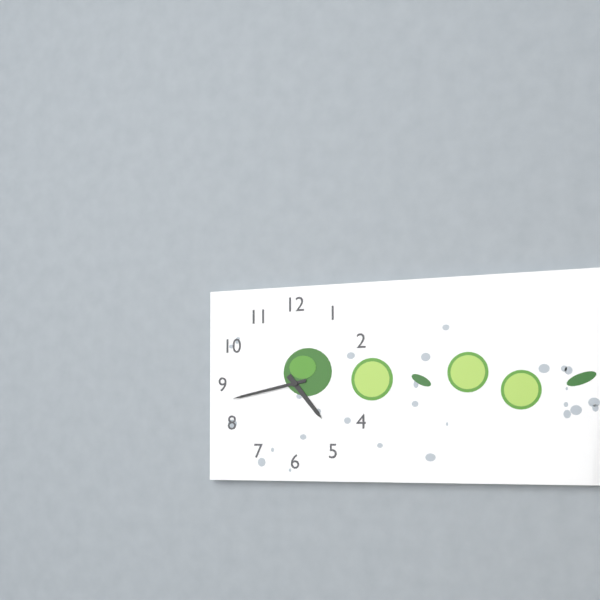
4:43
